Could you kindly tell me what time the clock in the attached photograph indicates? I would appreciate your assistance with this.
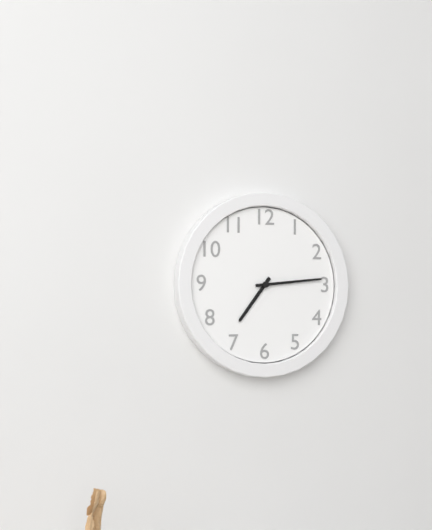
7:14
